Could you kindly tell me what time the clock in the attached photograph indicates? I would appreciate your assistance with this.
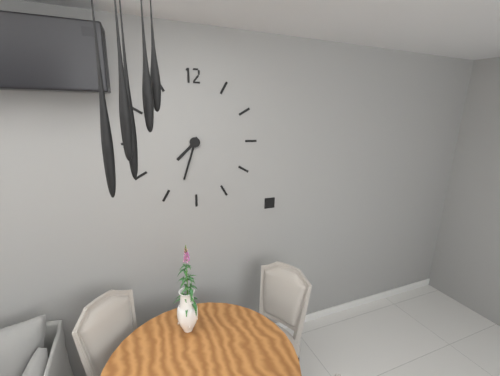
7:33
